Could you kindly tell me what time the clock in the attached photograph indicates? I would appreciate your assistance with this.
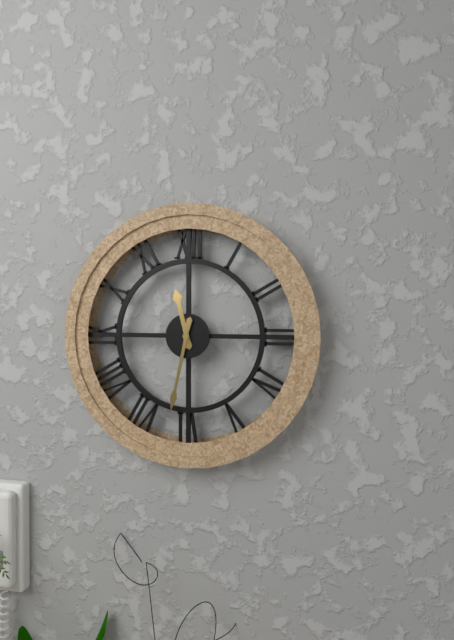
11:32
